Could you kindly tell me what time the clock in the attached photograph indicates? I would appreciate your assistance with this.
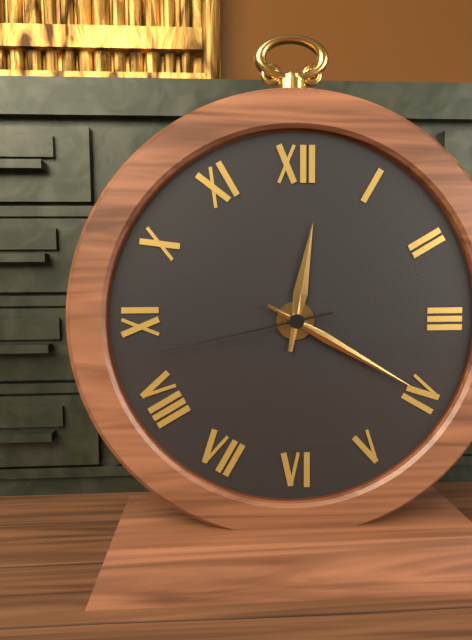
12:20:43
